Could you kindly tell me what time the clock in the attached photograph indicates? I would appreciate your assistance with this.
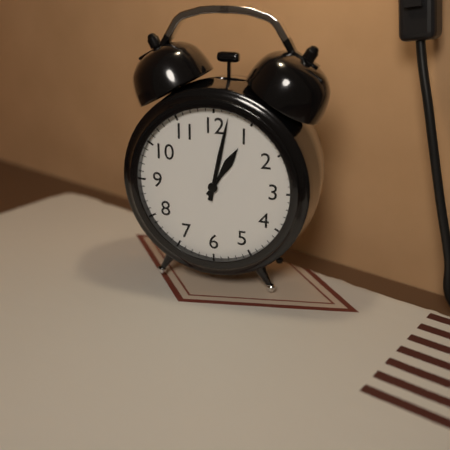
1:02
